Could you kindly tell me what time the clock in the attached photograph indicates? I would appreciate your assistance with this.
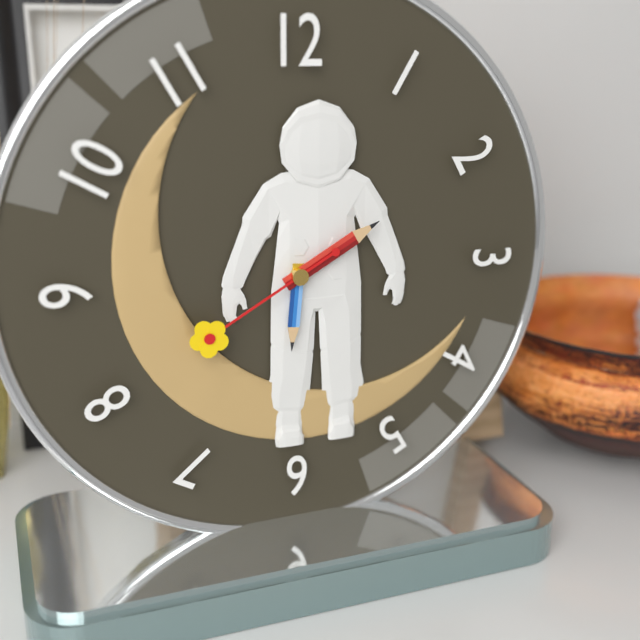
6:10:40
